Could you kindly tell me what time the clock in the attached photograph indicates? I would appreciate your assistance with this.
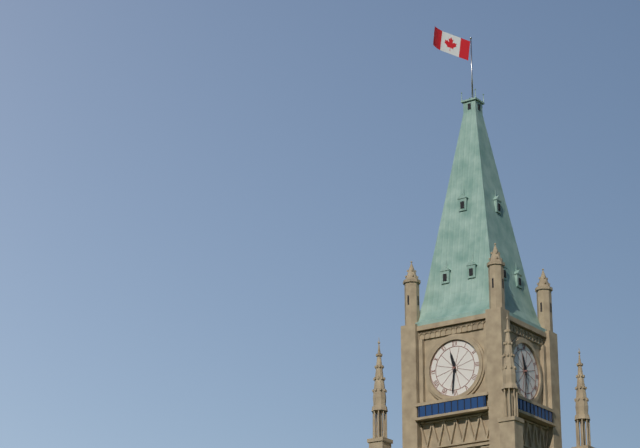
11:31
